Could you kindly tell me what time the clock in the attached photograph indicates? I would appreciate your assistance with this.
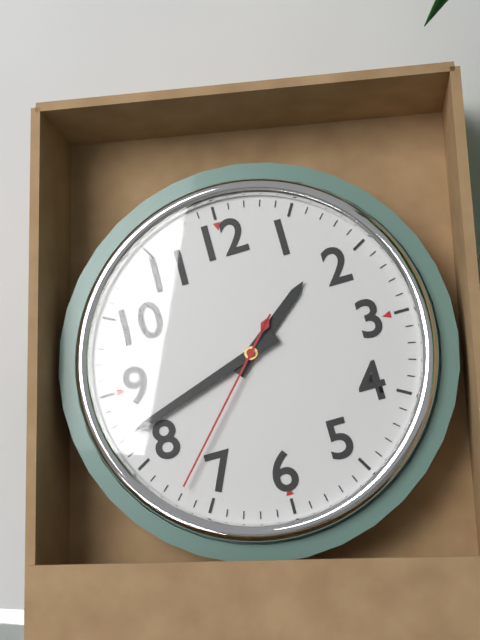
1:42:37
